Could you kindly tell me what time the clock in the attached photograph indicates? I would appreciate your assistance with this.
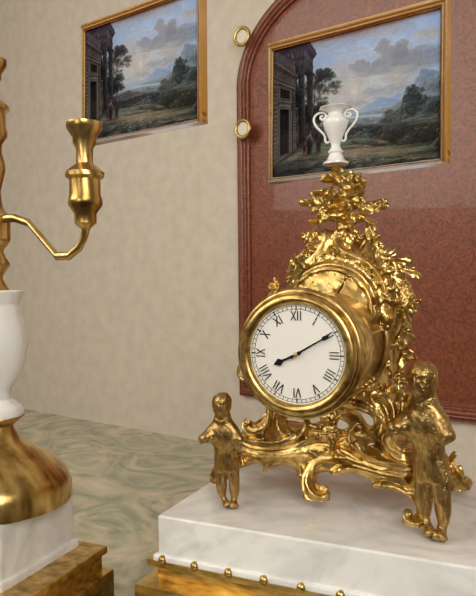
8:10
